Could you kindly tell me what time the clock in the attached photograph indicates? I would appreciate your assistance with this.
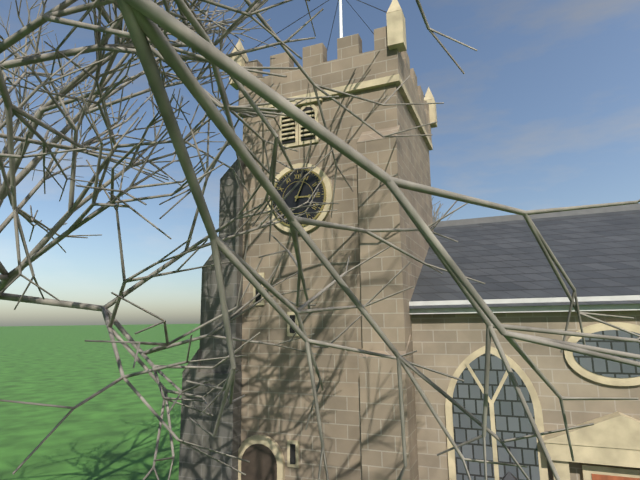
3:04
